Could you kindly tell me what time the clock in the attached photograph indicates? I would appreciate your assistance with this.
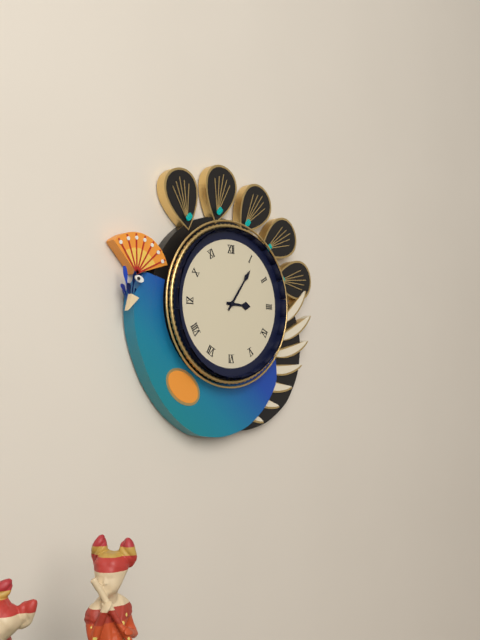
3:06
